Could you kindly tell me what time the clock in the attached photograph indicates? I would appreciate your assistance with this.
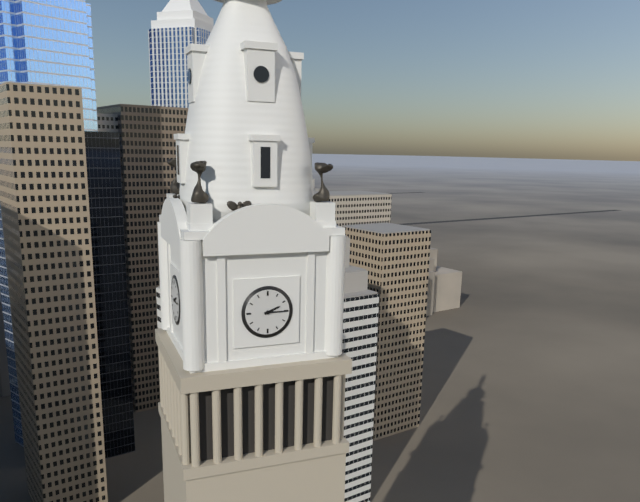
2:15
